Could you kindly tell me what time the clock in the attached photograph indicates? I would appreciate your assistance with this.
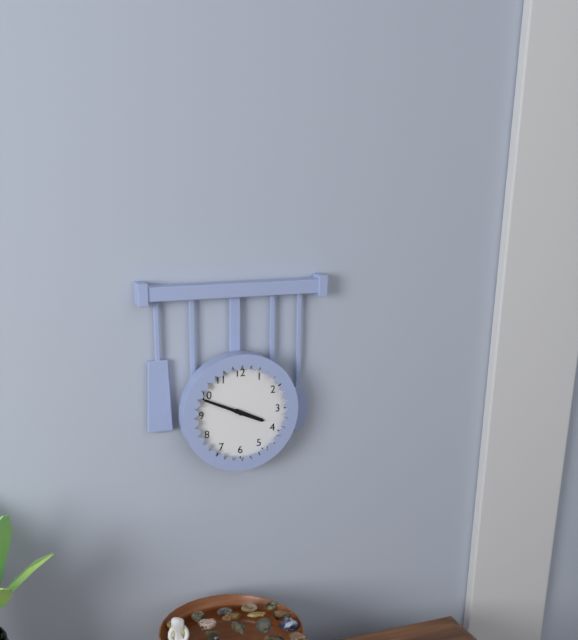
3:49
